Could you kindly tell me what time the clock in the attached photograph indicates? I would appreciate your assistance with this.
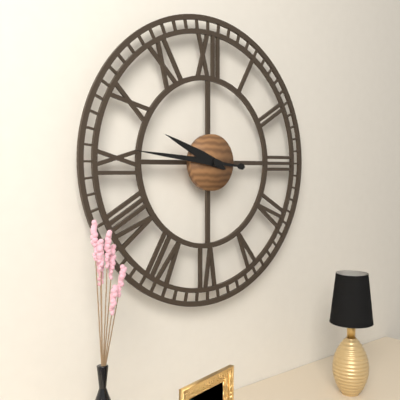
9:46
